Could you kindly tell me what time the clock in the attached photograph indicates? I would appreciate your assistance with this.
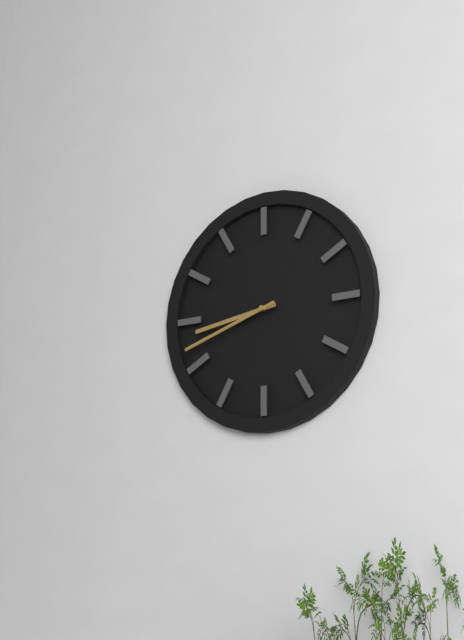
8:42
